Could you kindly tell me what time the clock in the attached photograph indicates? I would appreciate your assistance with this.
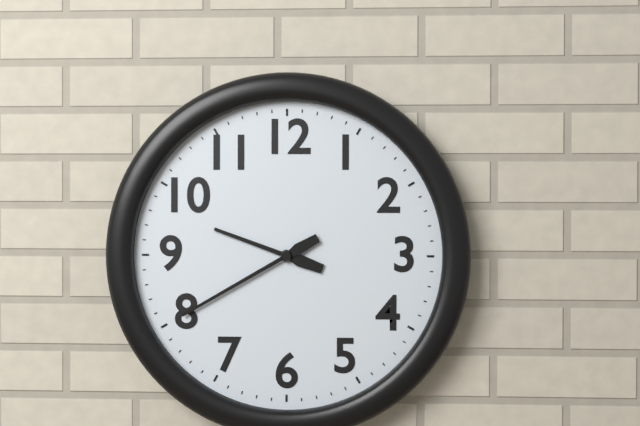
9:40
